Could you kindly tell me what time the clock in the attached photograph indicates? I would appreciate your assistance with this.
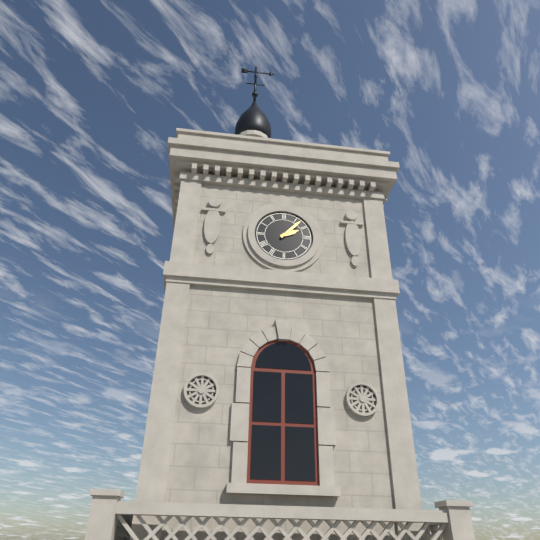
2:07
